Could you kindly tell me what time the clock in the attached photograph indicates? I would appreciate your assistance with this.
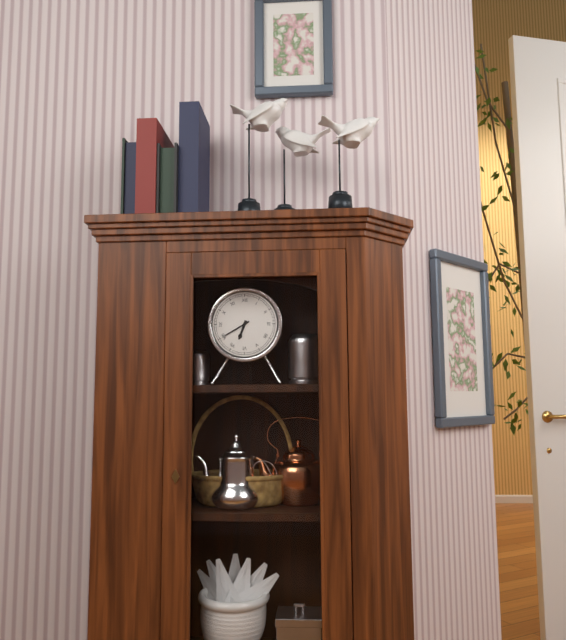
6:40
